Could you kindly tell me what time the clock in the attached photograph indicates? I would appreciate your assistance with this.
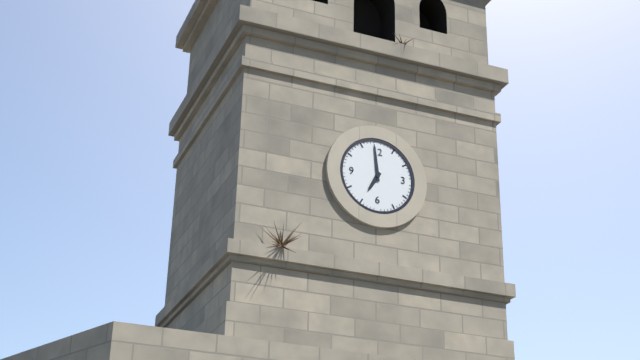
6:59
